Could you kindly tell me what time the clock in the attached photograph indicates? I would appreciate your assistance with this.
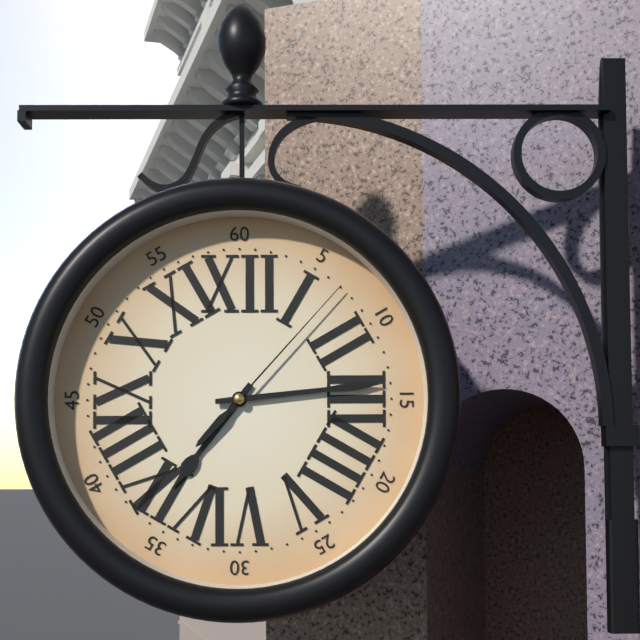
7:14:07
